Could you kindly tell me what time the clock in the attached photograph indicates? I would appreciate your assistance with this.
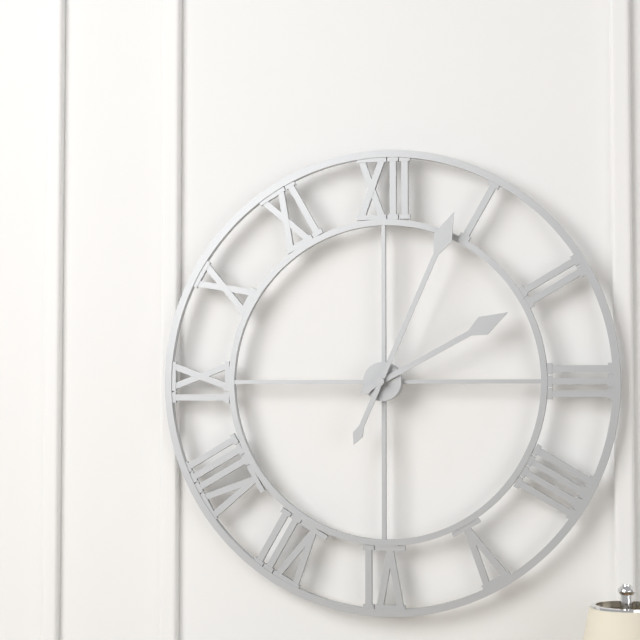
2:04
